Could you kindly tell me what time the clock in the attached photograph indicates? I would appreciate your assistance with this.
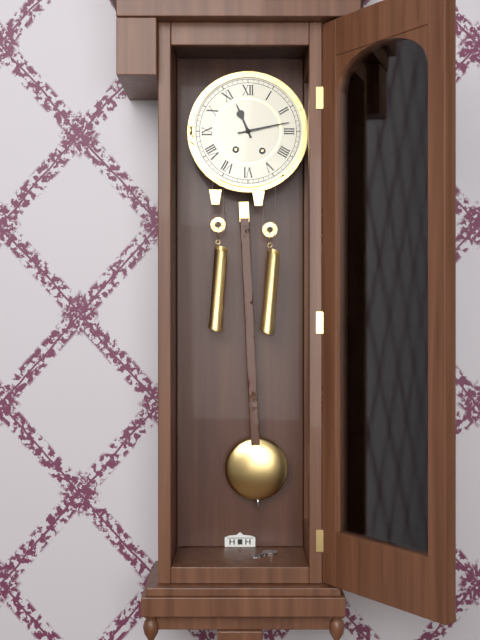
11:13
